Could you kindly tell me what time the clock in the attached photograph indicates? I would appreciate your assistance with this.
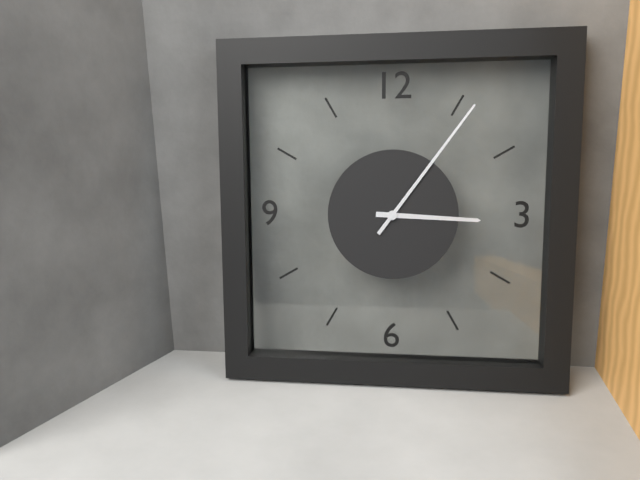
3:06
